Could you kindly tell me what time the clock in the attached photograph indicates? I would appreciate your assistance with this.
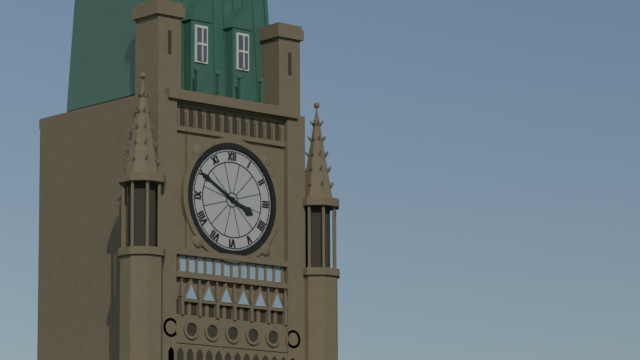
3:50
